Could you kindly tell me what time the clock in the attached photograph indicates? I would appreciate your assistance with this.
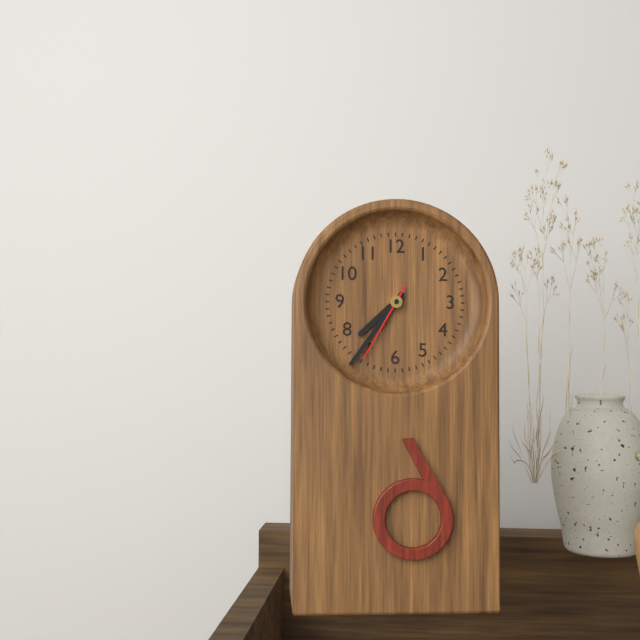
7:36:35
